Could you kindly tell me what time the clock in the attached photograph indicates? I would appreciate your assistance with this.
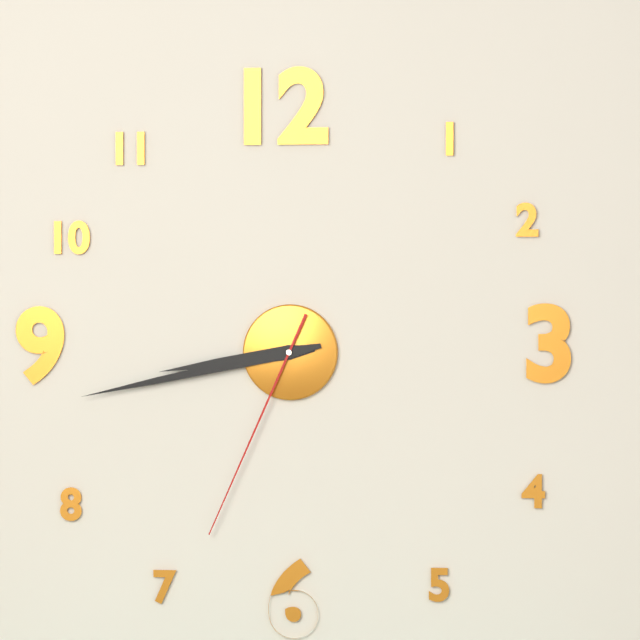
8:43:34
